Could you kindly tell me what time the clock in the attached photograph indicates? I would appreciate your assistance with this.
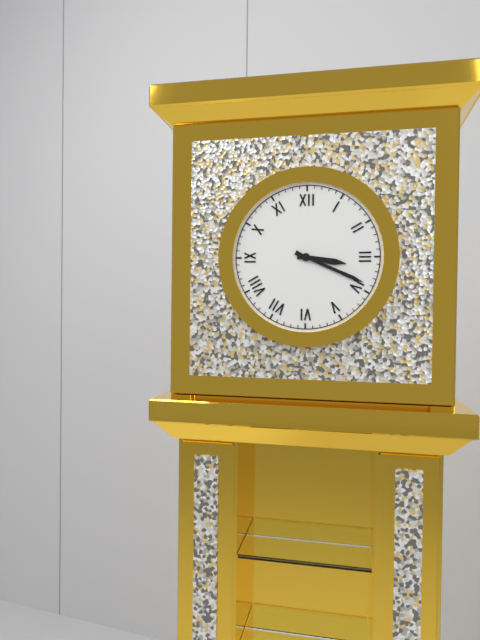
3:19
